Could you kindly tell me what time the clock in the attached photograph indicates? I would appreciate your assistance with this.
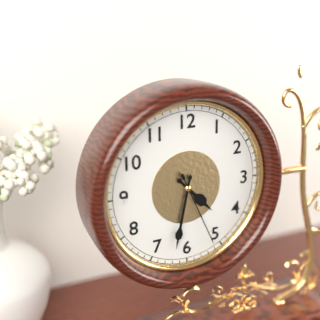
4:32:26
